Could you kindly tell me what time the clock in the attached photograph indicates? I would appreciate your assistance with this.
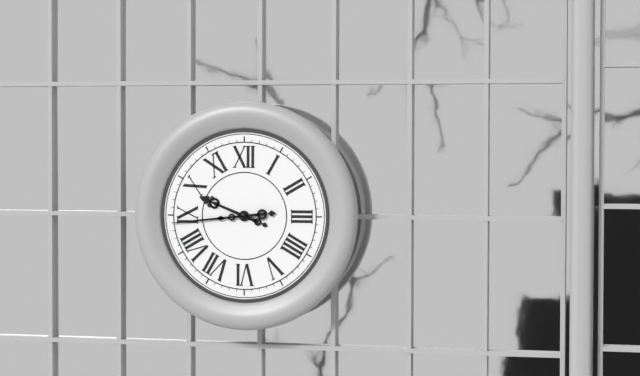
9:44
